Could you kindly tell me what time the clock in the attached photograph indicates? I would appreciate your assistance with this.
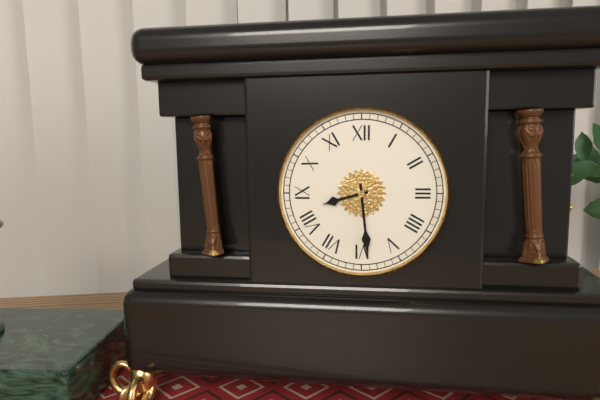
8:29
